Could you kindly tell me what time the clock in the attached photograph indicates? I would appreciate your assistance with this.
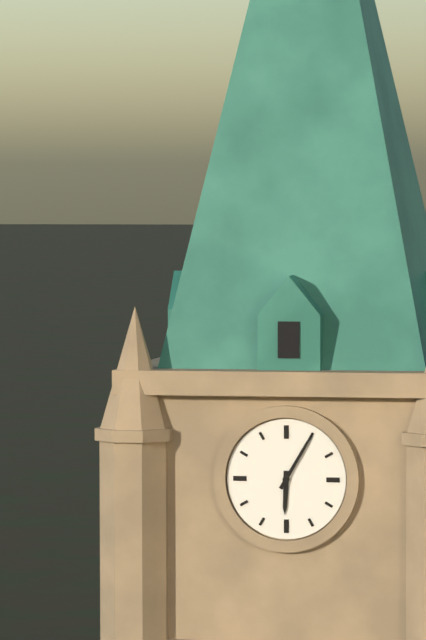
6:05
